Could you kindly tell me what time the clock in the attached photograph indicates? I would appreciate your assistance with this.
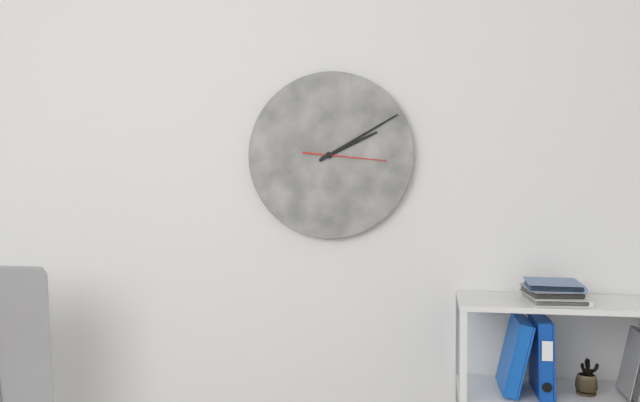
2:10:16
